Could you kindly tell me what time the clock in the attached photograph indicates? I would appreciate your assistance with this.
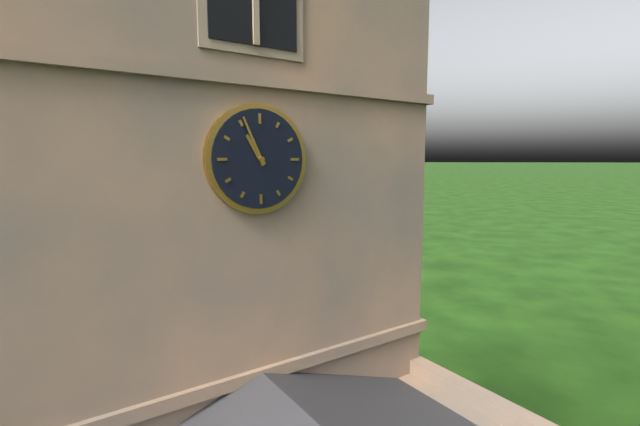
10:56
